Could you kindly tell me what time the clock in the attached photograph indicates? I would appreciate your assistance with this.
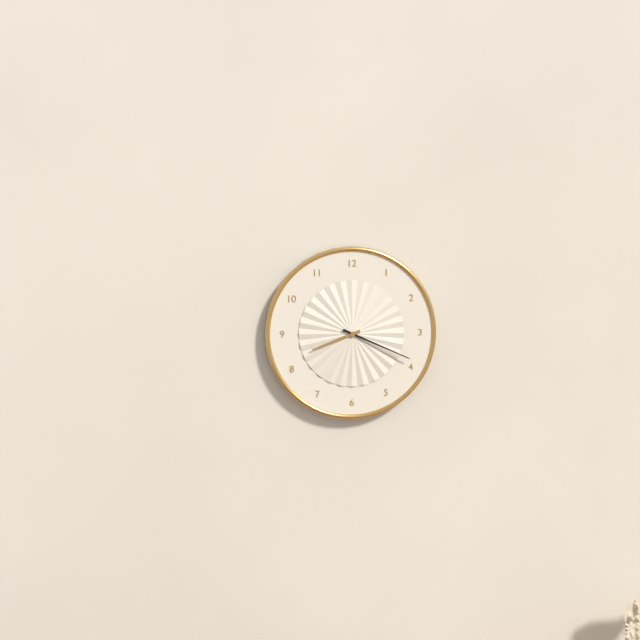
8:19
